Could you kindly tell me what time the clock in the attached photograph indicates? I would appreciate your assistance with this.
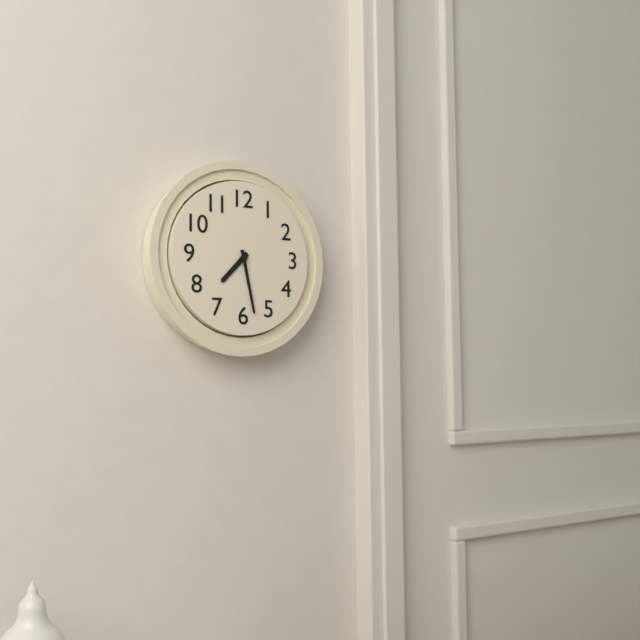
7:28
